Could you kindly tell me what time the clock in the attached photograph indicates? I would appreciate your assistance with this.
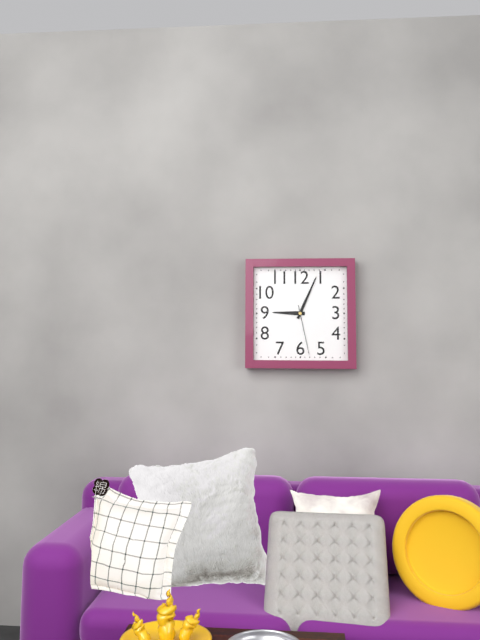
9:04:28
